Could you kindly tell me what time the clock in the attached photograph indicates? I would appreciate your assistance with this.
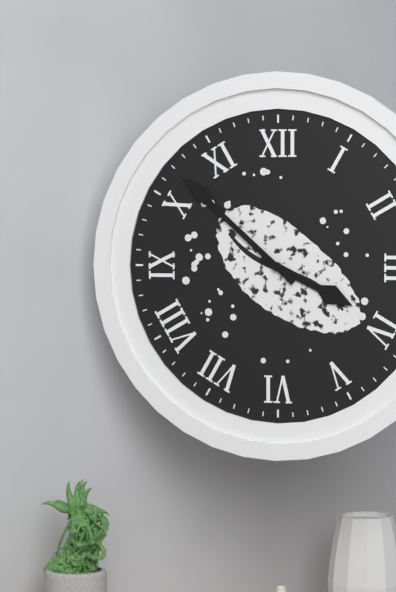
3:52
